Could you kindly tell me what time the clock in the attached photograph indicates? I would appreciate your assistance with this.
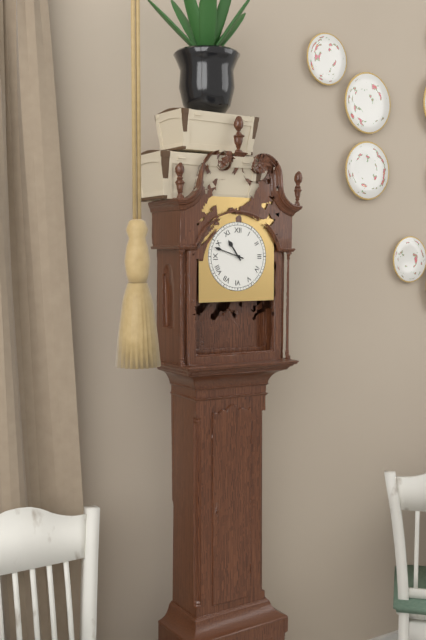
10:48
